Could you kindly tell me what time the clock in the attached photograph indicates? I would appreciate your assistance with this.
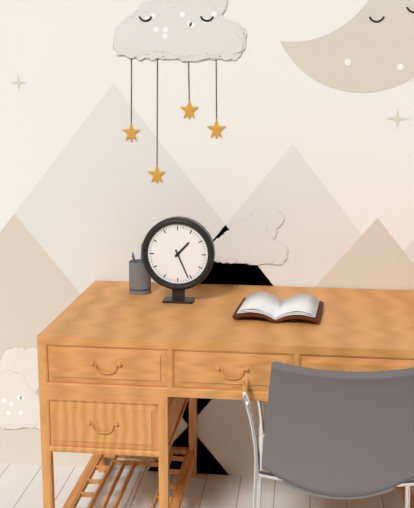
1:26
